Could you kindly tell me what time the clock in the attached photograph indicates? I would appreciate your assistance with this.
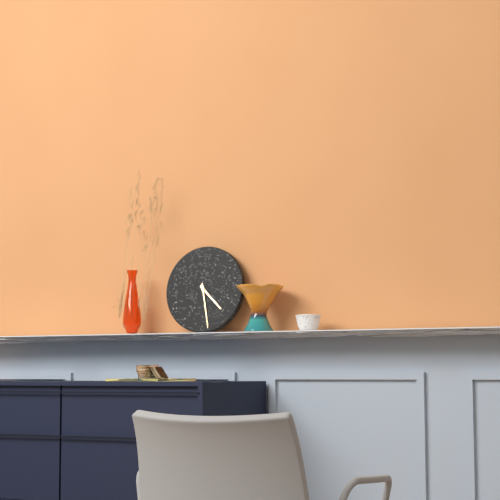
4:28
